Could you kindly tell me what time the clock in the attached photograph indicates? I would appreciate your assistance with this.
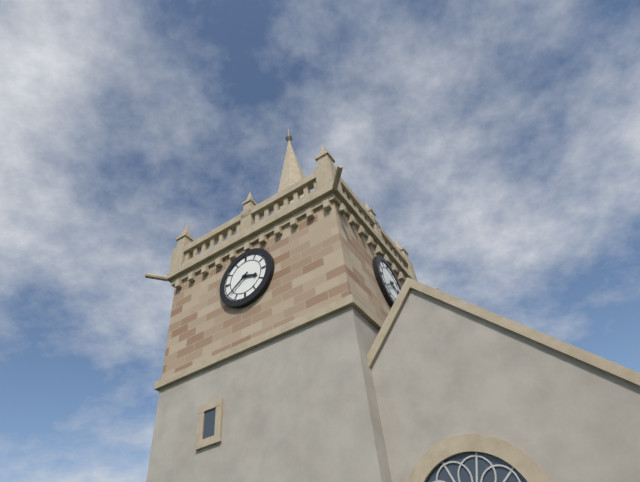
3:39
